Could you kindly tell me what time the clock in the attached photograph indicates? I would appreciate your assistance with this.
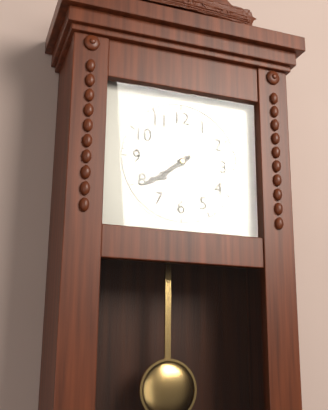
7:39
